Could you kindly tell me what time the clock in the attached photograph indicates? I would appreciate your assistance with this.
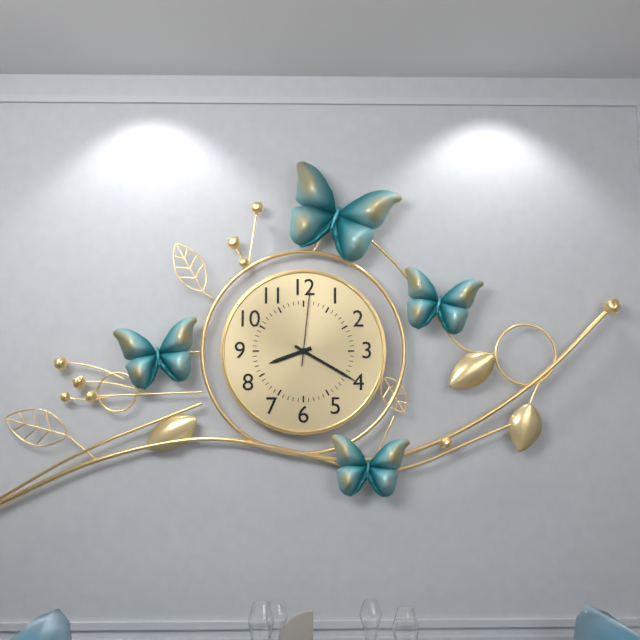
8:20:01
